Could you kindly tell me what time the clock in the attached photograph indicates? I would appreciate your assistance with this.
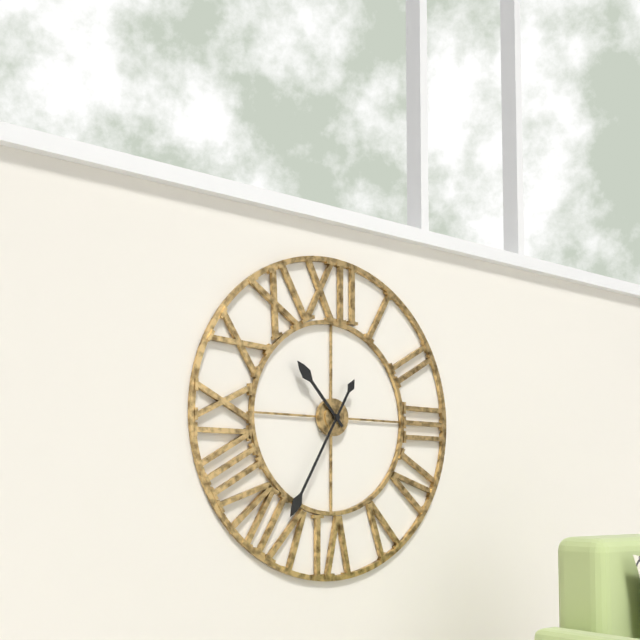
10:35
